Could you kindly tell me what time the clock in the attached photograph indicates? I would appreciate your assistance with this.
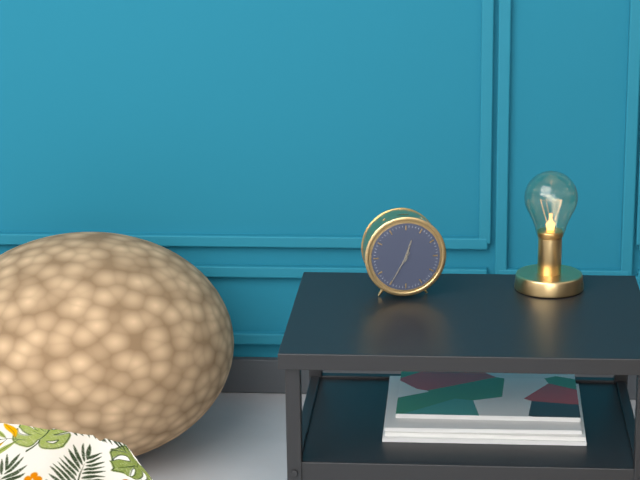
12:35
